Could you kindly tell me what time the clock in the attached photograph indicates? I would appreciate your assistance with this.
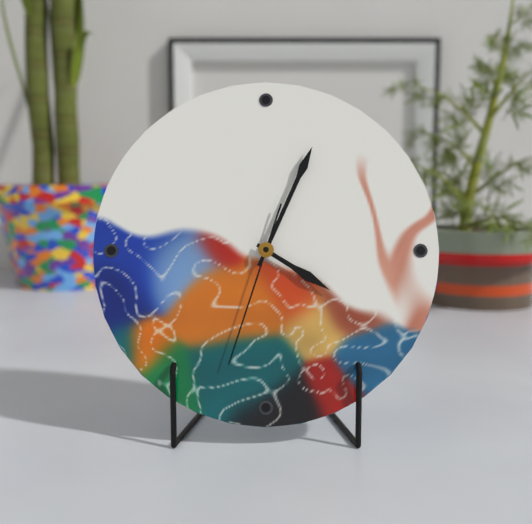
4:04:33
